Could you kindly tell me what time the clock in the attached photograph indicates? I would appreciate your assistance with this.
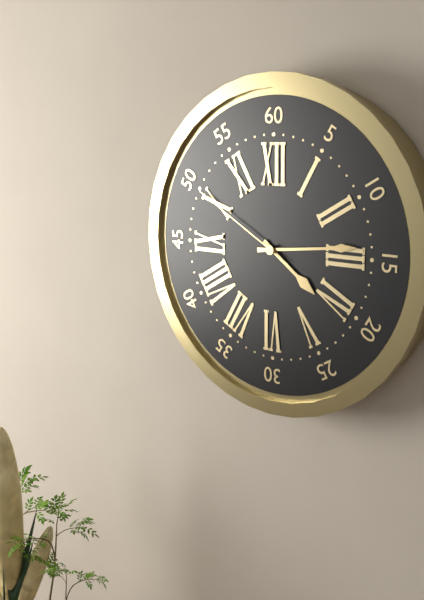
4:14:50
